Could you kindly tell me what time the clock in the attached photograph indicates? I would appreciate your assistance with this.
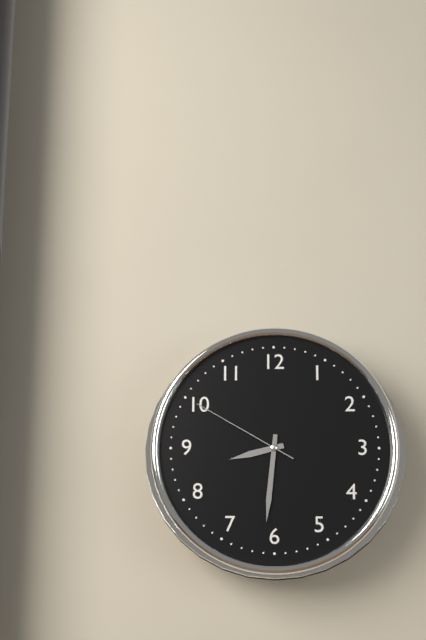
8:31:50
